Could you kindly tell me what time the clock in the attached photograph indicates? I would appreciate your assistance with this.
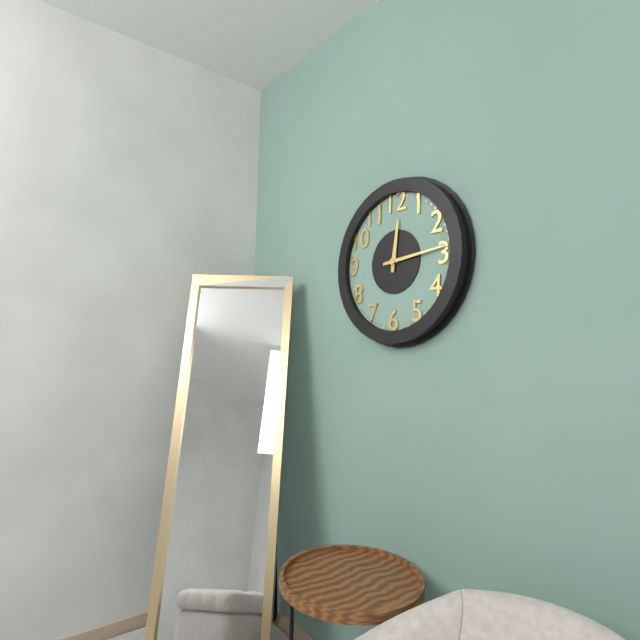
12:14
